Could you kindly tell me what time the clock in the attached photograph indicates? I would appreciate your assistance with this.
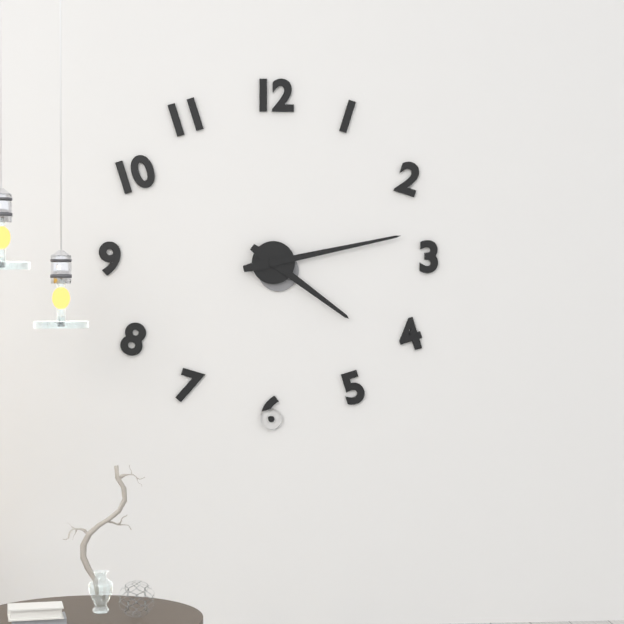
4:13
